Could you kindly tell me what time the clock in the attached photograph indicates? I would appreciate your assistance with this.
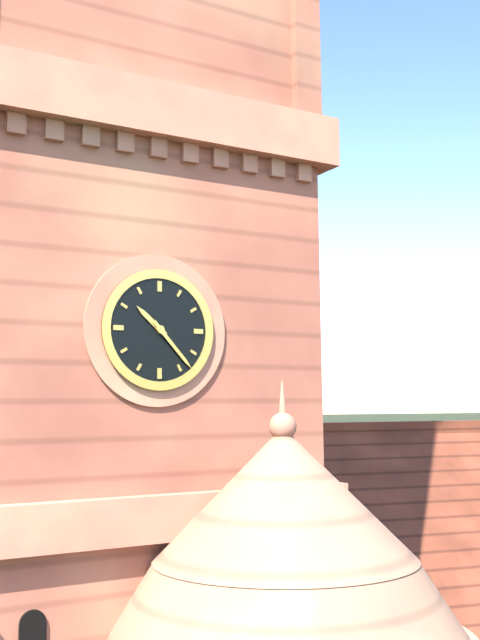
10:23
